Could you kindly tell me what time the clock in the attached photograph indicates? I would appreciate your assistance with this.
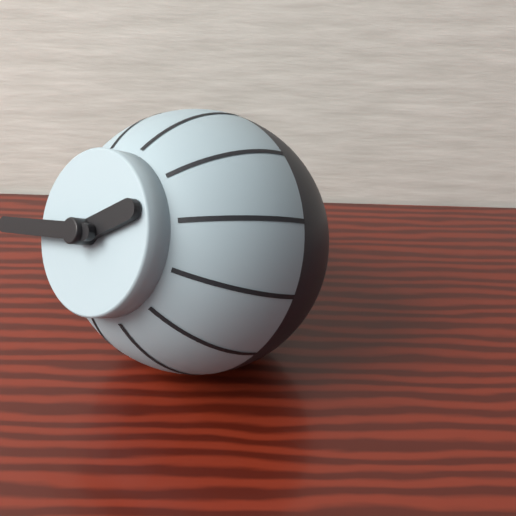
1:42
